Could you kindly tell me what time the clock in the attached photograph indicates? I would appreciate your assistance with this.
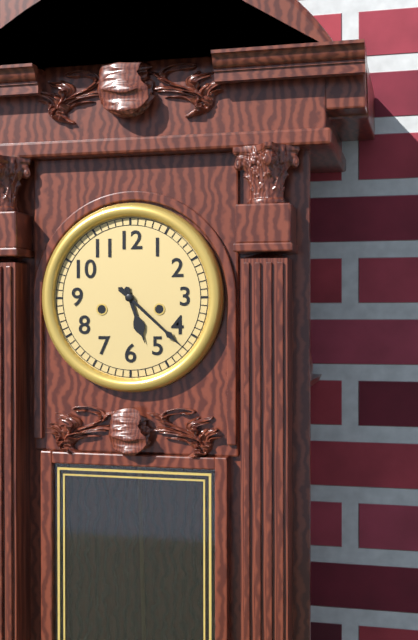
5:22
